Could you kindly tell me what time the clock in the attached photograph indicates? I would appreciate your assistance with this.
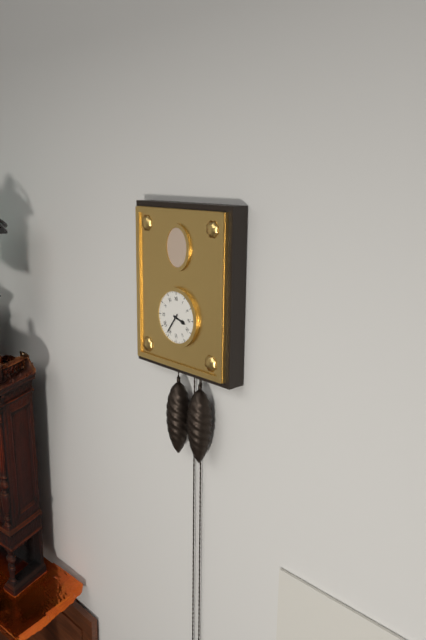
3:36
